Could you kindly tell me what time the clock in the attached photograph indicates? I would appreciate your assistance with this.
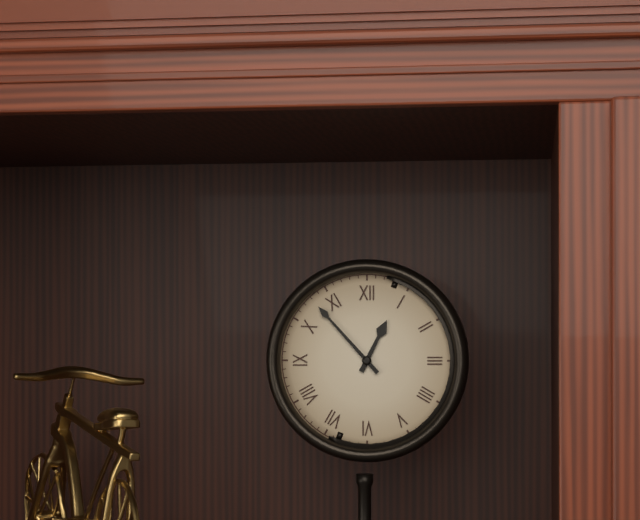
12:53
